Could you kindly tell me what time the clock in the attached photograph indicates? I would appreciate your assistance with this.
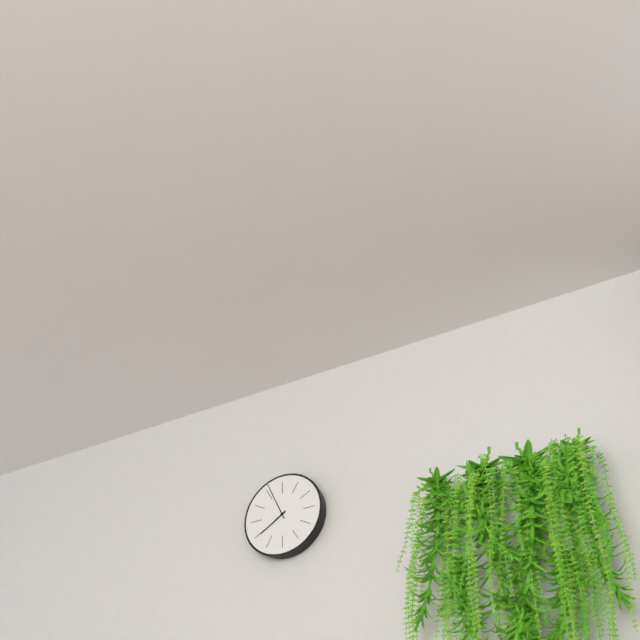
7:56
